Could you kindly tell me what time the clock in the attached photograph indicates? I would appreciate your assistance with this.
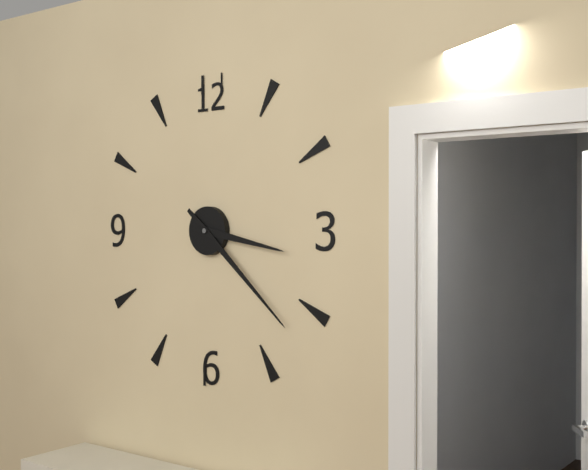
3:22
